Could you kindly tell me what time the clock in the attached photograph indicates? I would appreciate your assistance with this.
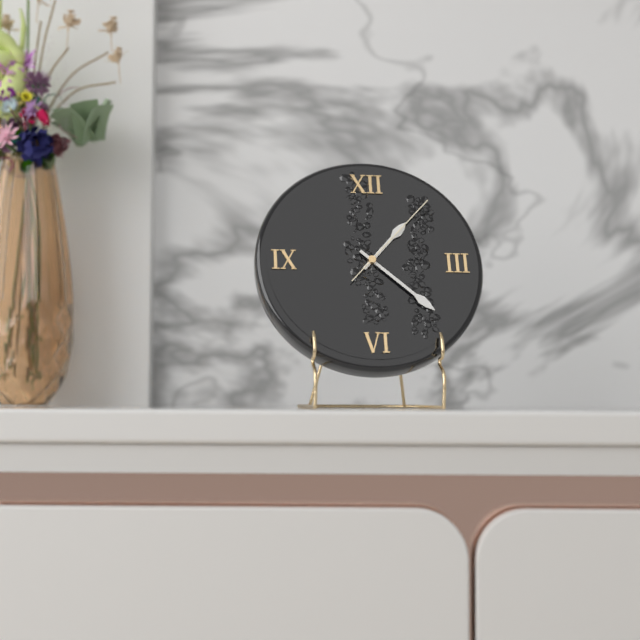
1:22:07
